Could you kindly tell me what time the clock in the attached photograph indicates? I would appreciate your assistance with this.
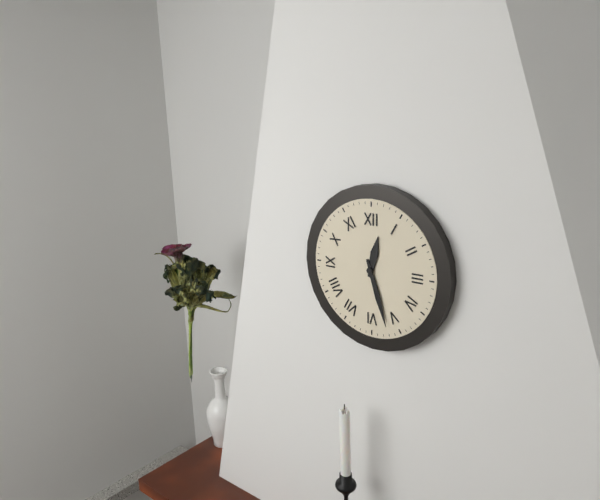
12:27
